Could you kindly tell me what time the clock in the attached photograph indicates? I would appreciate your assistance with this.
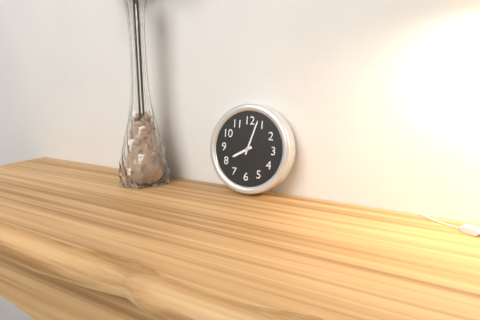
8:03
